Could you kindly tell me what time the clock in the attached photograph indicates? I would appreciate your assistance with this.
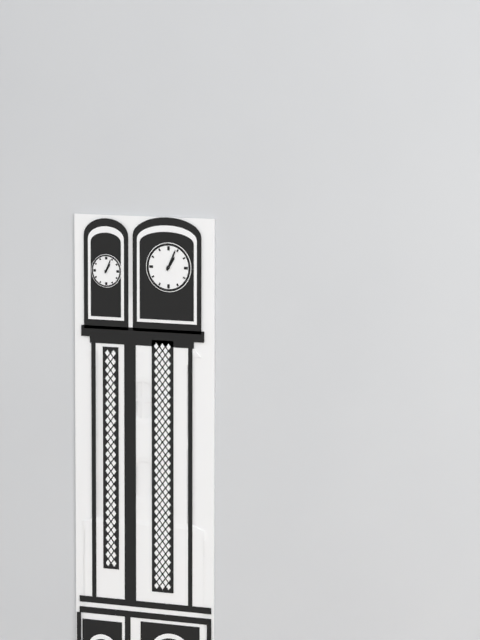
1:04
